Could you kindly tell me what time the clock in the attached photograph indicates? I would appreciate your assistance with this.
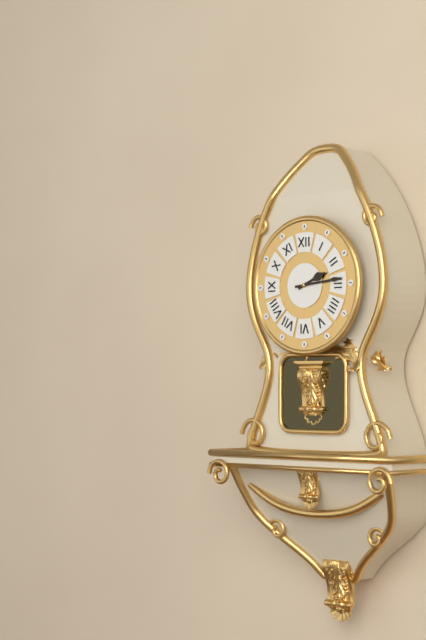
2:14
